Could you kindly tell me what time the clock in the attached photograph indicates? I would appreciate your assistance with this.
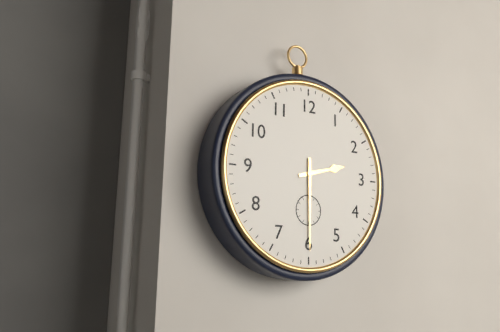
2:30
